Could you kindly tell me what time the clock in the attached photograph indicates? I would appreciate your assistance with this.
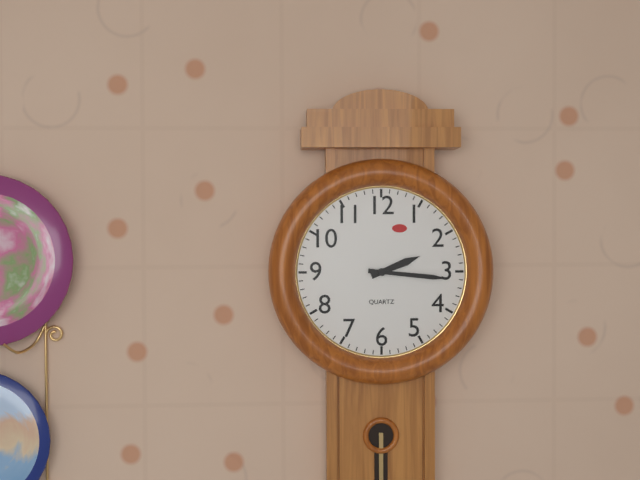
2:16
